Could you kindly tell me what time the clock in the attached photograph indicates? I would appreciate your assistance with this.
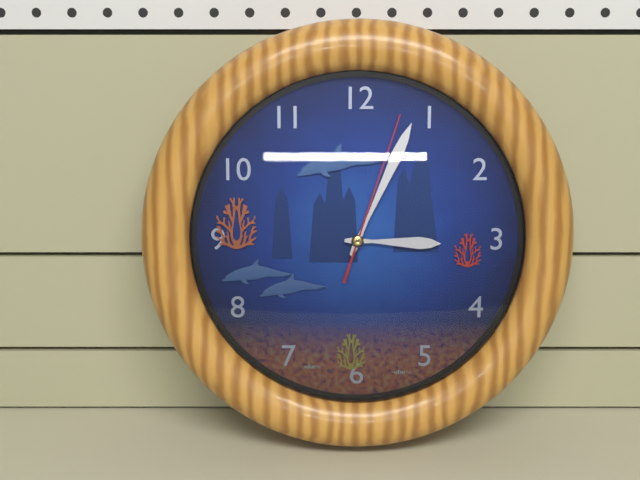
3:04:03
